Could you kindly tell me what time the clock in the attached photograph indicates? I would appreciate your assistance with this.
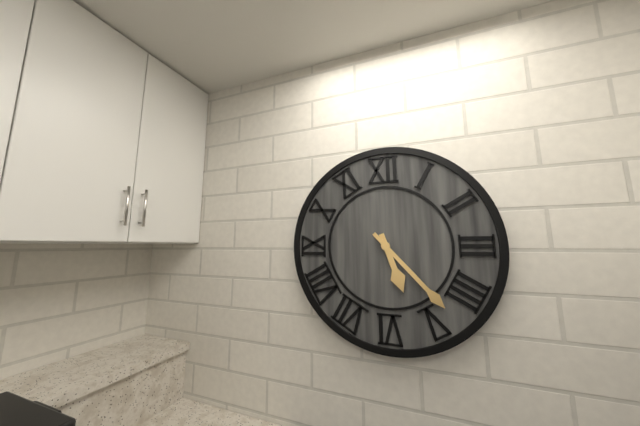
5:23
